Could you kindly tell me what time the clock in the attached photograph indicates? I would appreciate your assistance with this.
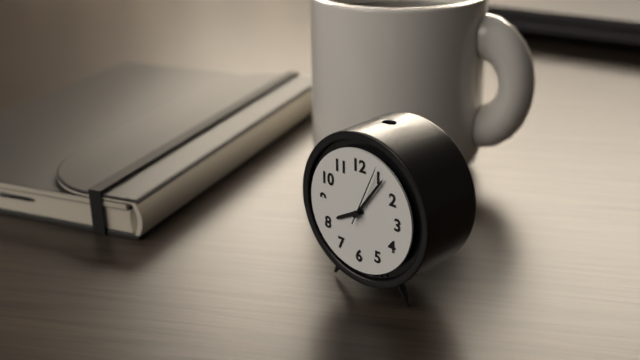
8:06:04
